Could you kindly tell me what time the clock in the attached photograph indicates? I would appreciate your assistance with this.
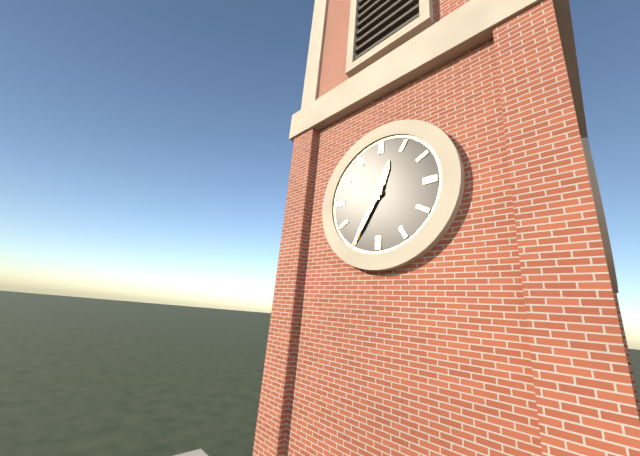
12:35
